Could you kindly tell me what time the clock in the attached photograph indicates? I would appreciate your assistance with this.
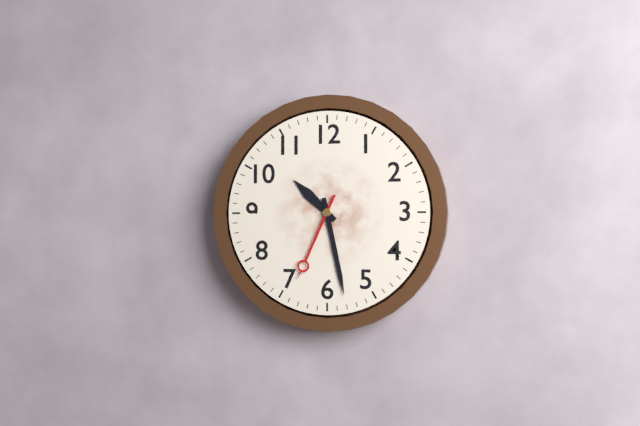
10:28:34
